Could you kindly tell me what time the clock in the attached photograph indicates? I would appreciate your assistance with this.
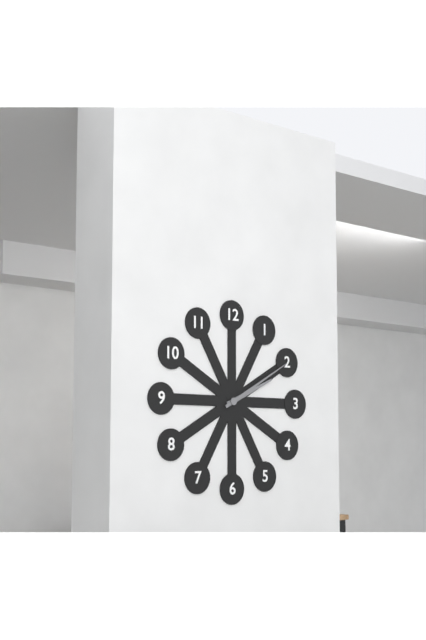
2:10
